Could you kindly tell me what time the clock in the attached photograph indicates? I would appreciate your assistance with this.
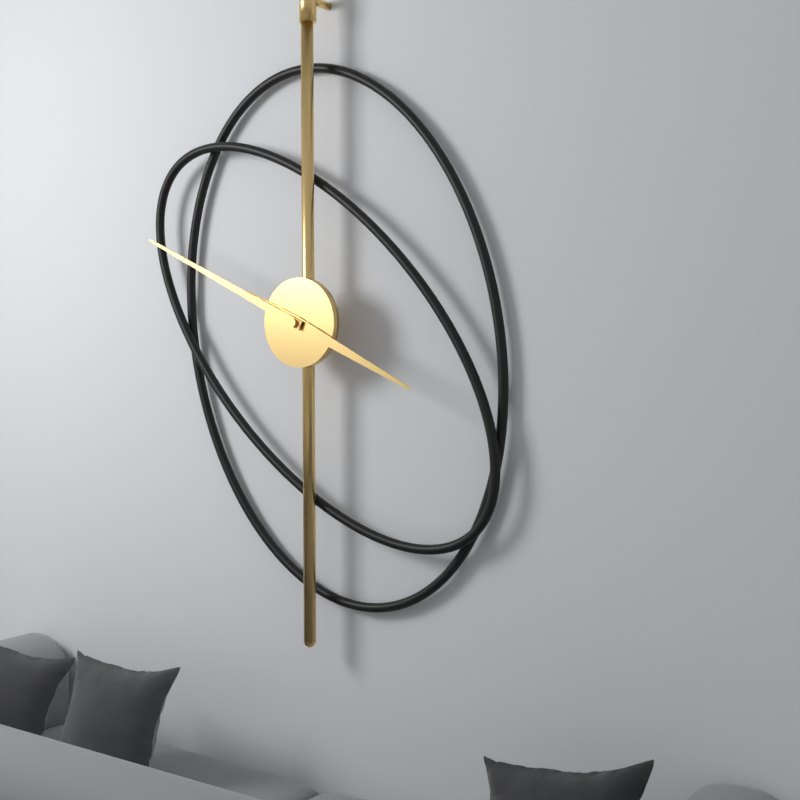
3:49
